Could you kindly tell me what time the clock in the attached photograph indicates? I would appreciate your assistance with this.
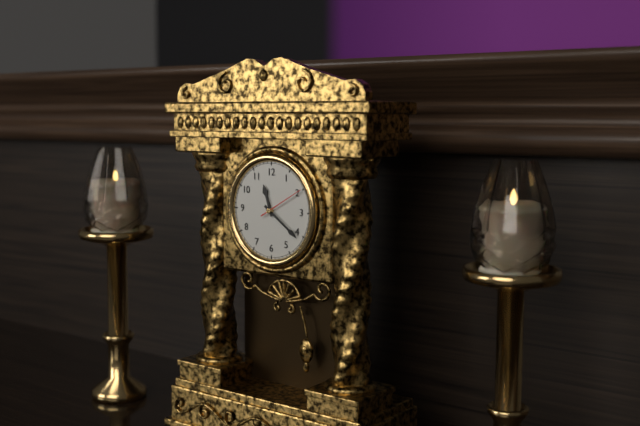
11:21
